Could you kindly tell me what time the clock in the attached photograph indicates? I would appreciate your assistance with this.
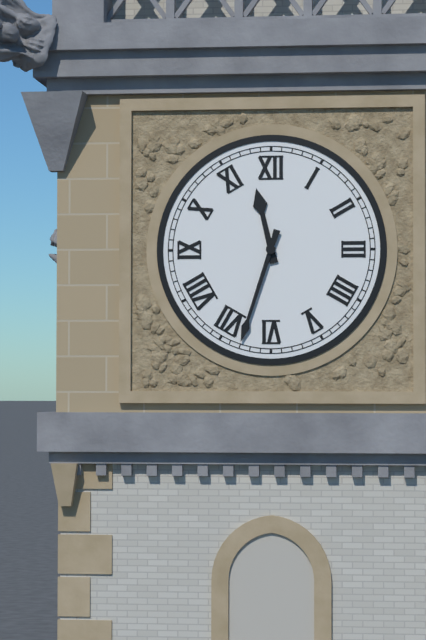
11:33
